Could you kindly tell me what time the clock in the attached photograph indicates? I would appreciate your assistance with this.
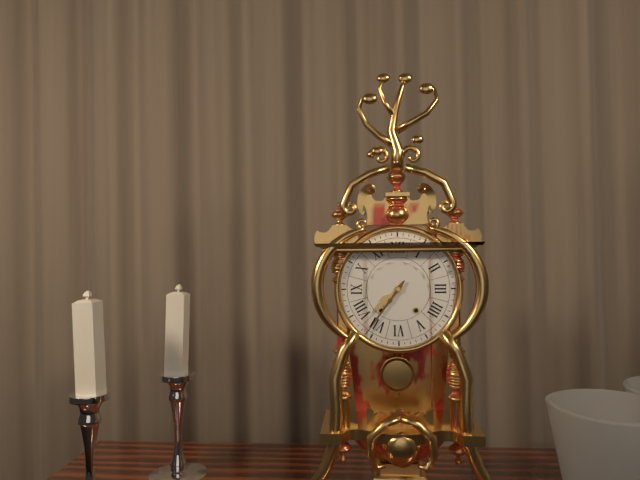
7:36
